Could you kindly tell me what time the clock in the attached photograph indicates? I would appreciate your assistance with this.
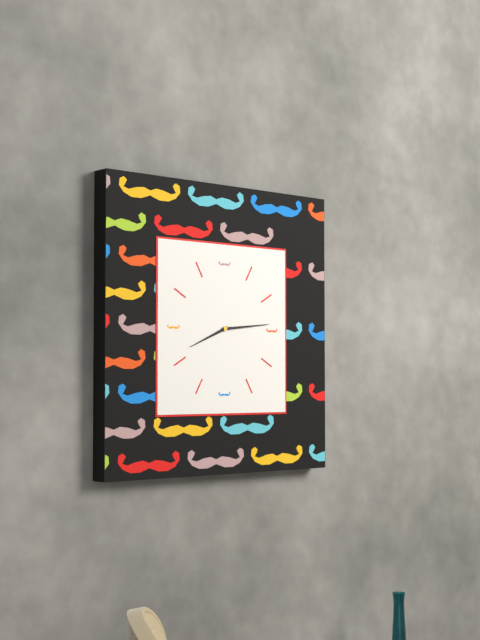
8:14
